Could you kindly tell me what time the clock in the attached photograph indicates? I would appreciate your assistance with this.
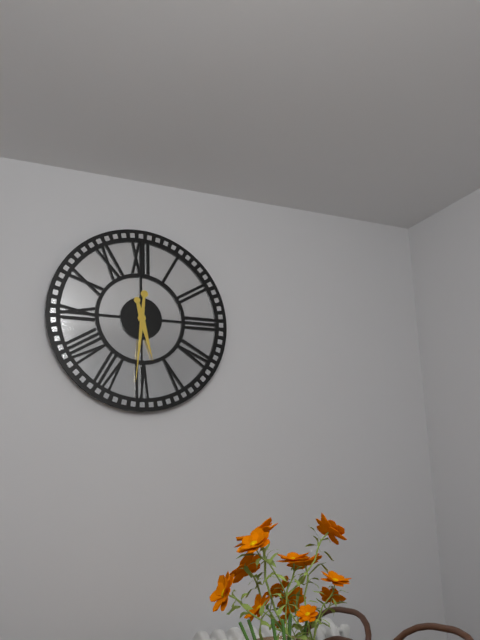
5:31
